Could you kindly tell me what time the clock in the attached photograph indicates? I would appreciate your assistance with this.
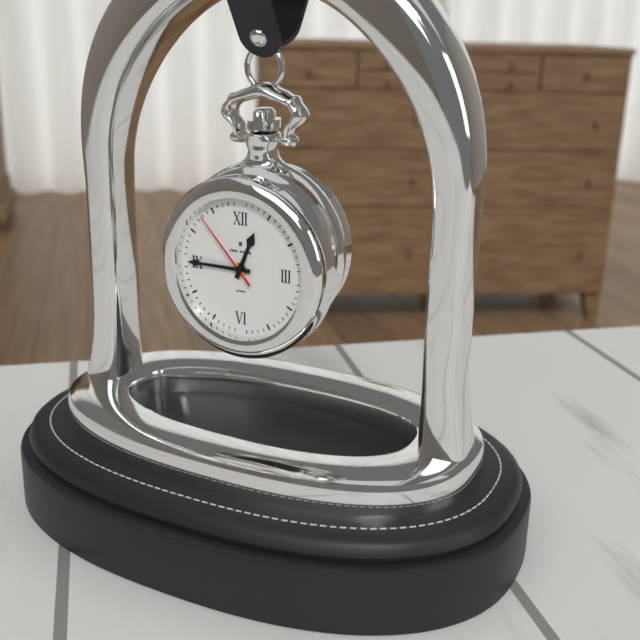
12:45:53
